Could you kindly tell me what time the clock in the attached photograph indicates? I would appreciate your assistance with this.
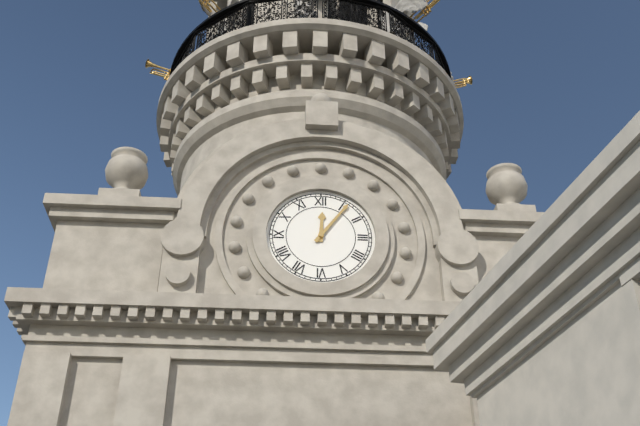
12:06
